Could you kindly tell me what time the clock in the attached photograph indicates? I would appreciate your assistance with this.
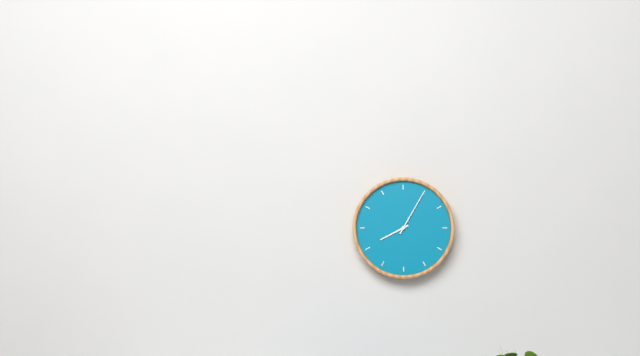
8:05
